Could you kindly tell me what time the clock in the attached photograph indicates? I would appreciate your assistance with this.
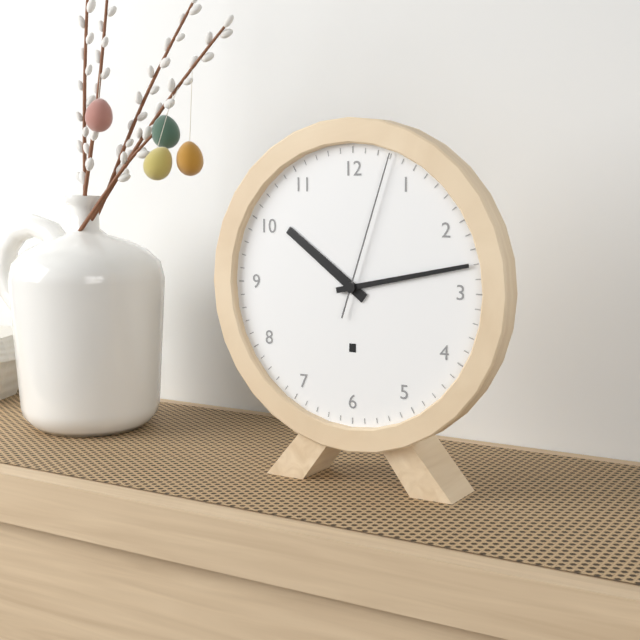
10:13:03
